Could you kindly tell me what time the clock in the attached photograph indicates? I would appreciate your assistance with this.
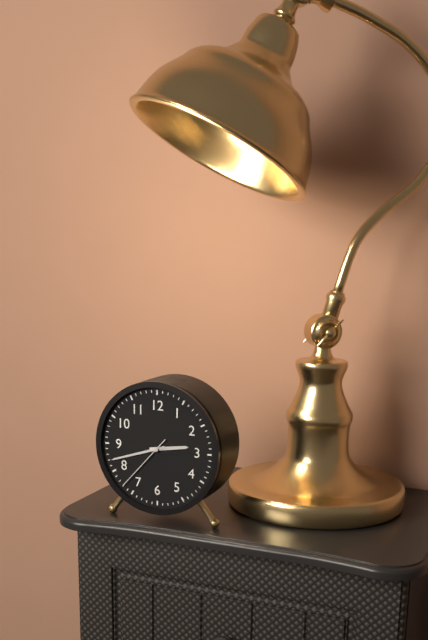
2:42:37
